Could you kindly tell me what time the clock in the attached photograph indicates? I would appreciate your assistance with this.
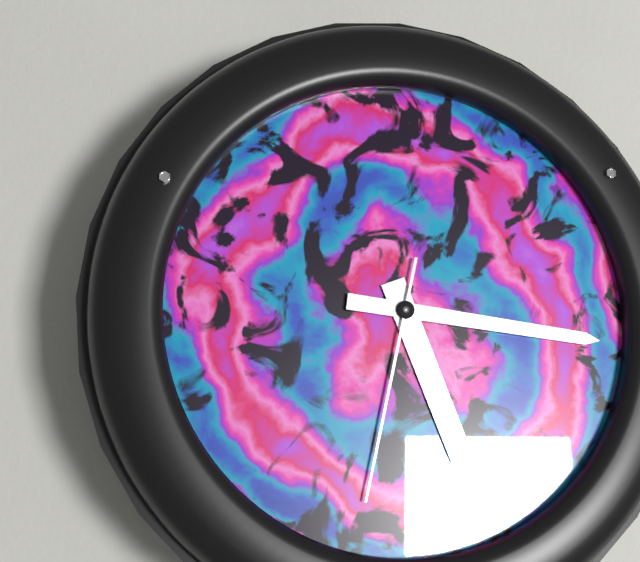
5:16:32
